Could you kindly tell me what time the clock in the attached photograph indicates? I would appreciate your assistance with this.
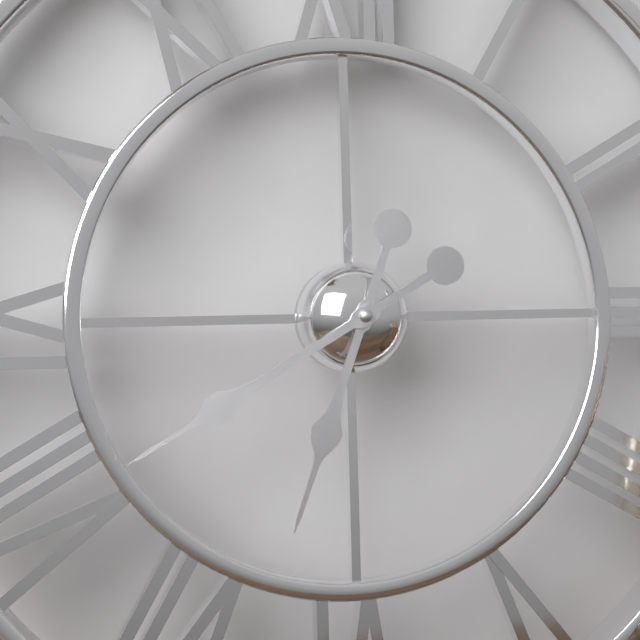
6:40
